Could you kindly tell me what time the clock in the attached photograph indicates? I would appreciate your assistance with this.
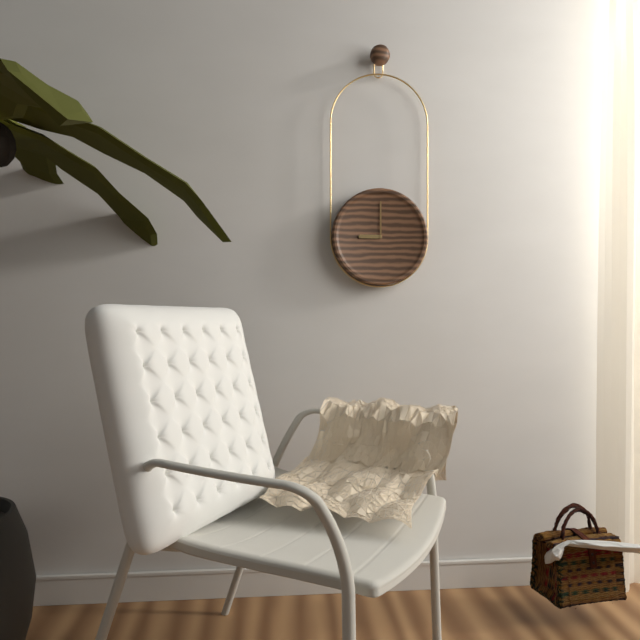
9:00
